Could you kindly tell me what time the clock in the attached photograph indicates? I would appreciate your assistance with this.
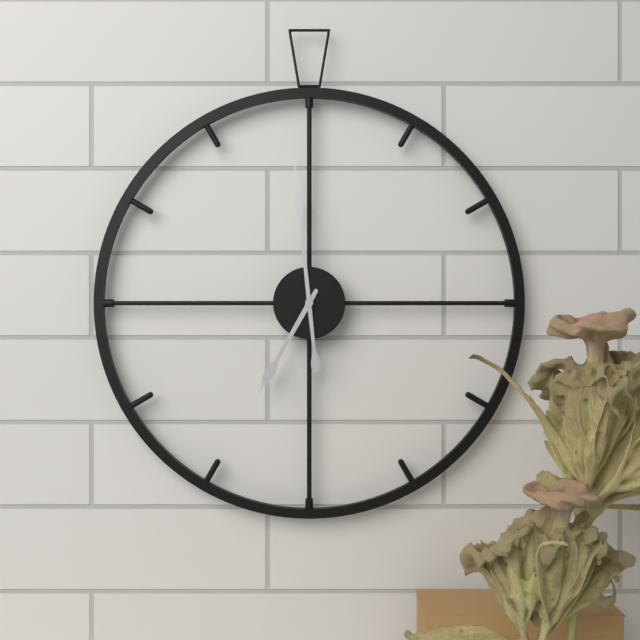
6:59
